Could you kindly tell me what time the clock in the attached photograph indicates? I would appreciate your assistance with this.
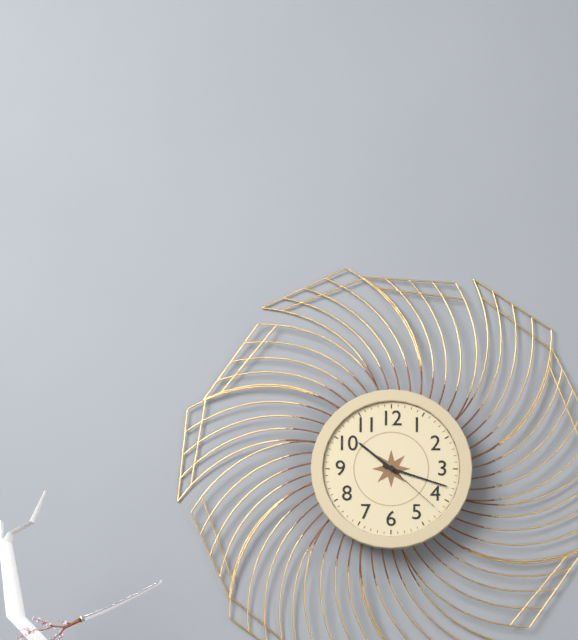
10:18:22
